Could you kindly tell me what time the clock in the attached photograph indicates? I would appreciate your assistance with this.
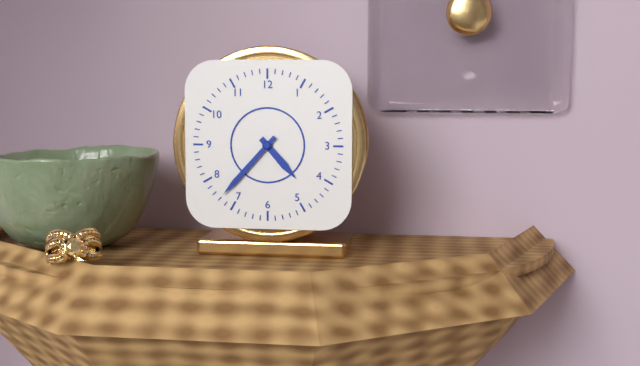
4:37
